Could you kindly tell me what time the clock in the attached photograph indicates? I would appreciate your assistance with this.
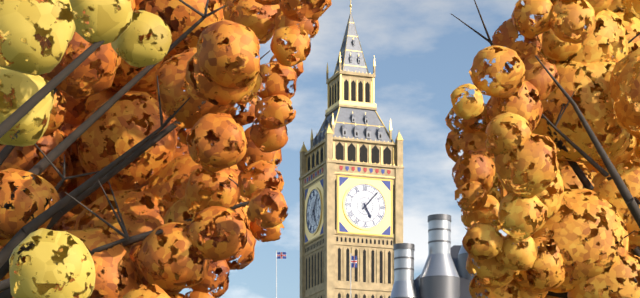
5:07
